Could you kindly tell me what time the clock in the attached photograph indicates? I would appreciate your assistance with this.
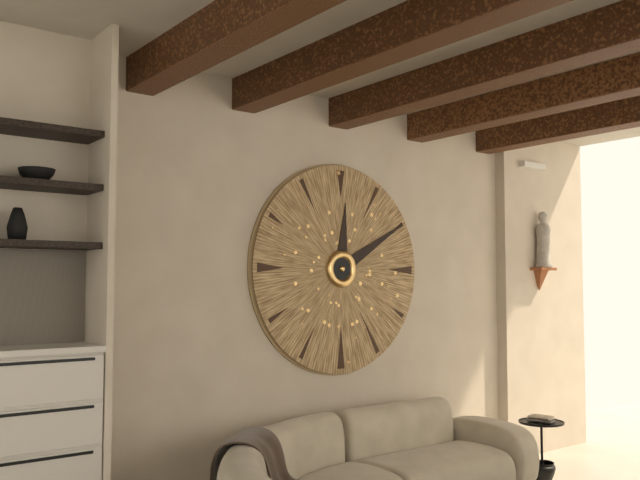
12:10
